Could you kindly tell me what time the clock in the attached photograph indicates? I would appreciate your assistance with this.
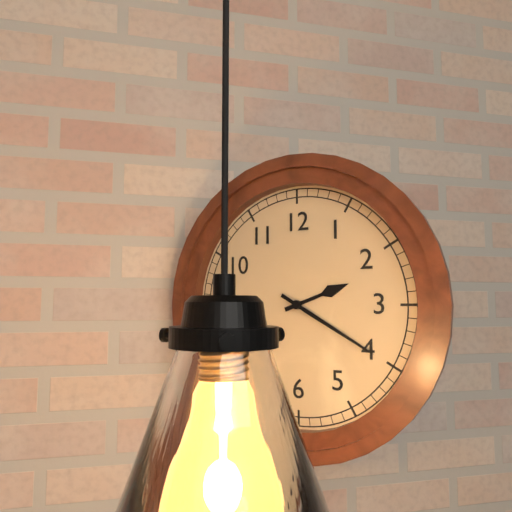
2:20
